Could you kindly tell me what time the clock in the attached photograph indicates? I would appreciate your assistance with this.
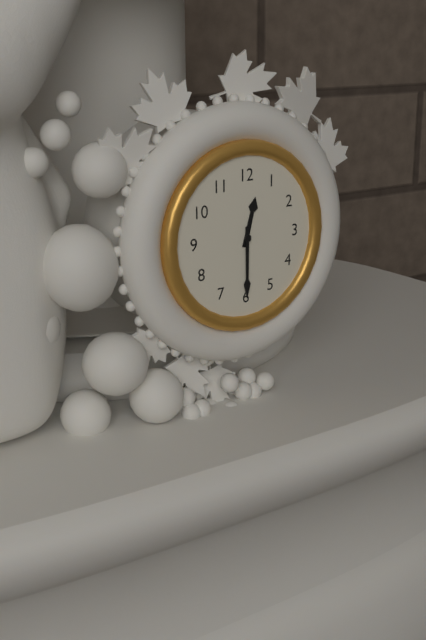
12:30
